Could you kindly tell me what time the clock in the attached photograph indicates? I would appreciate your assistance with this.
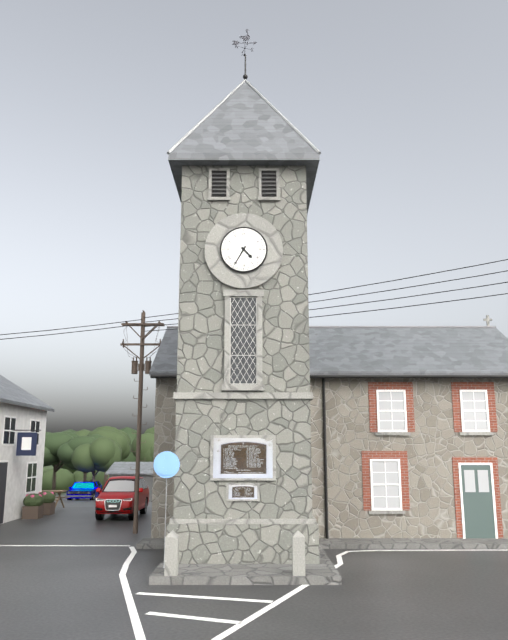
4:35
